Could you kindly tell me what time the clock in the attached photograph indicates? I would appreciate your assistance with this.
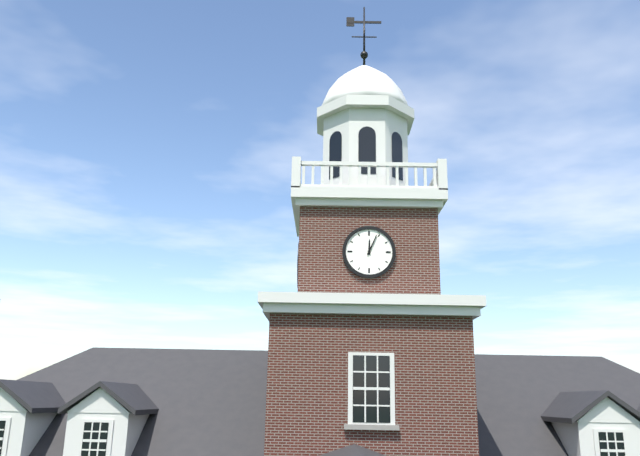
12:04
